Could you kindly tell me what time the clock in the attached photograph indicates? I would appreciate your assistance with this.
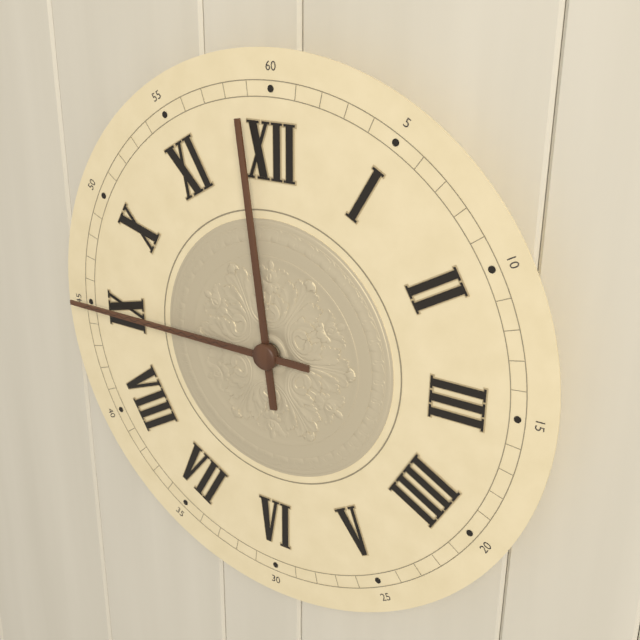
11:45
